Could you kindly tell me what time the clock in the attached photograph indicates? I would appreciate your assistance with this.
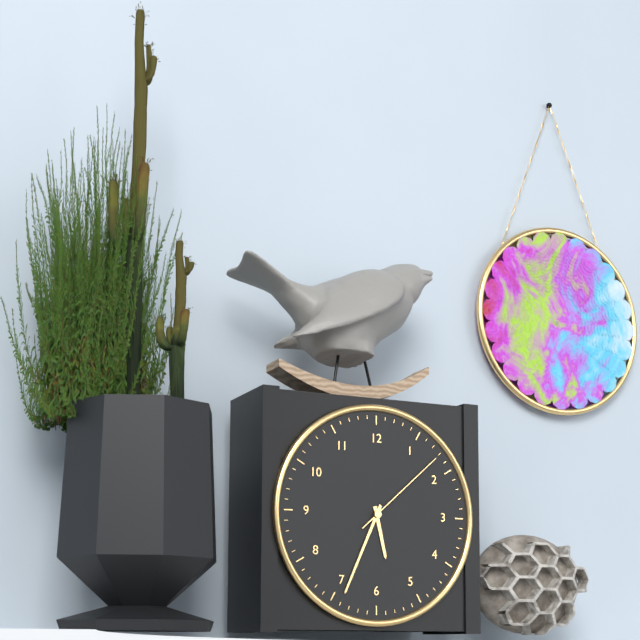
5:34:08
